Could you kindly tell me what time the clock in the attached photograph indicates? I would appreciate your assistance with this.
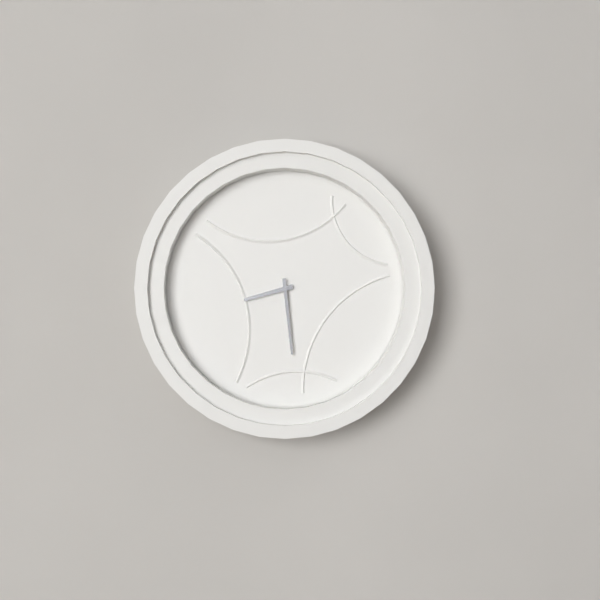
8:29
